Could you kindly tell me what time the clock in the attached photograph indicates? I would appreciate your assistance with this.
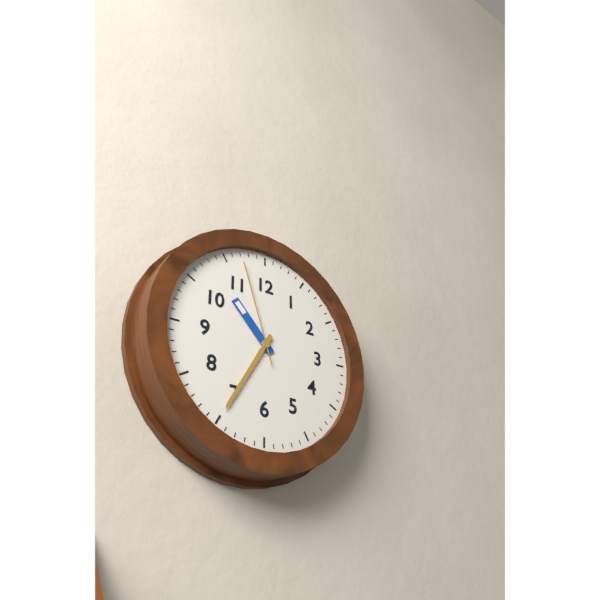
10:35:57
